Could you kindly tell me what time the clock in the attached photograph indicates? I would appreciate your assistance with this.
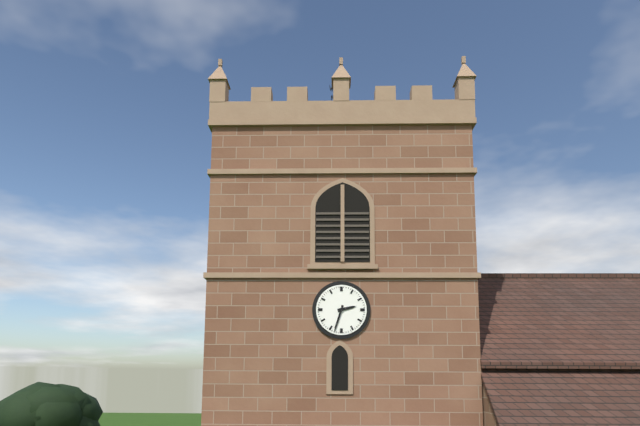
2:33
